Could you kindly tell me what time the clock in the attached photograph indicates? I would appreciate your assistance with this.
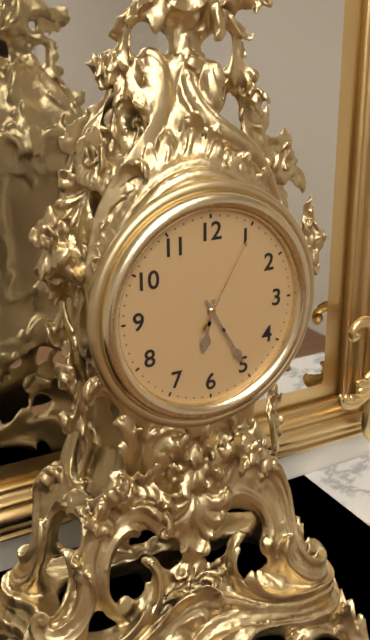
6:25:05
